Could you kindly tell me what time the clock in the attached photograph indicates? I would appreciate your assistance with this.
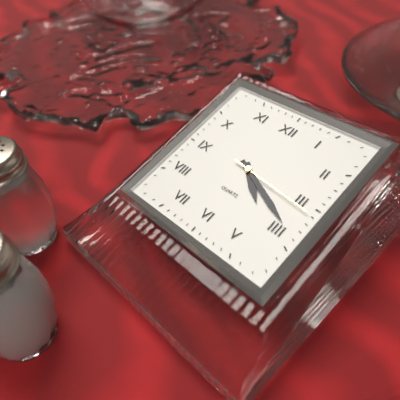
4:19:16
